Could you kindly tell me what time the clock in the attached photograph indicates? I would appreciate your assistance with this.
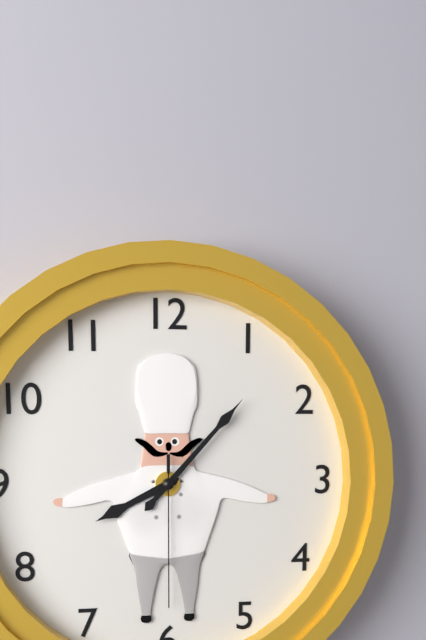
8:07:30
